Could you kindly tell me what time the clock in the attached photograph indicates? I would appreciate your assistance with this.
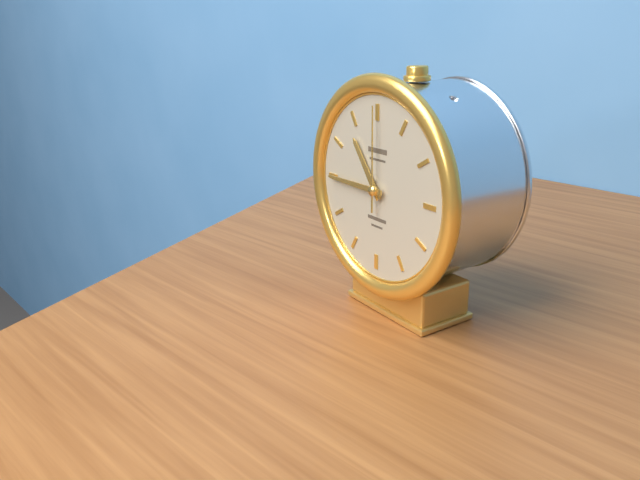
10:45:00
